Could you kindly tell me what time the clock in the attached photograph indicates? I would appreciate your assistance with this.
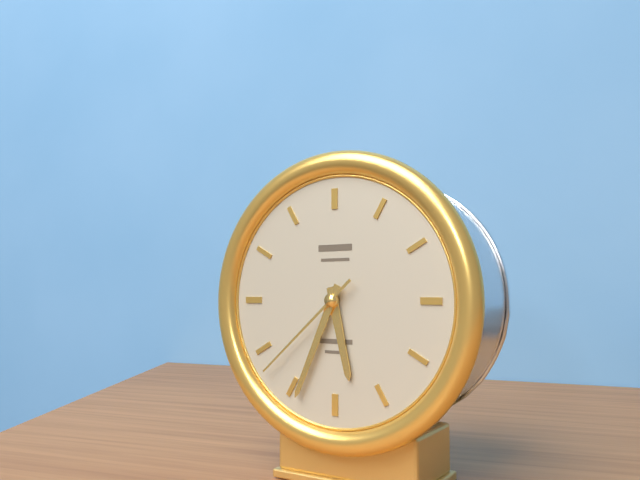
5:34:38
